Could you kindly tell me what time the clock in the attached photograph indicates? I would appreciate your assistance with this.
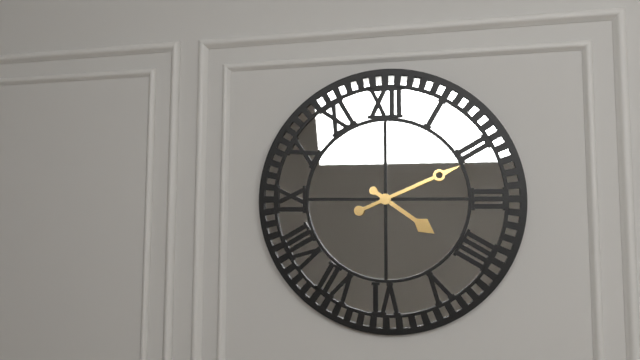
4:11
